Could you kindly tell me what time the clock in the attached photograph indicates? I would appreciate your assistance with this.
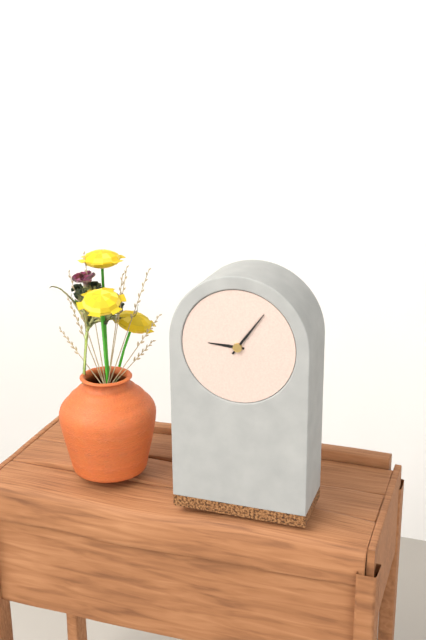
9:06
